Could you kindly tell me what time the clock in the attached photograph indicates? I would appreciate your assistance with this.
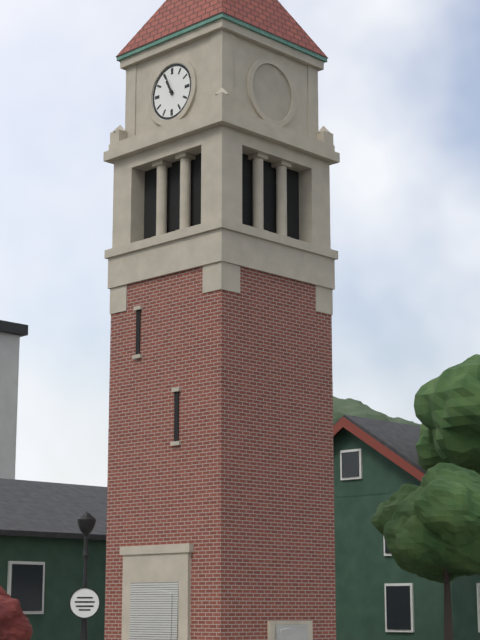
10:56
